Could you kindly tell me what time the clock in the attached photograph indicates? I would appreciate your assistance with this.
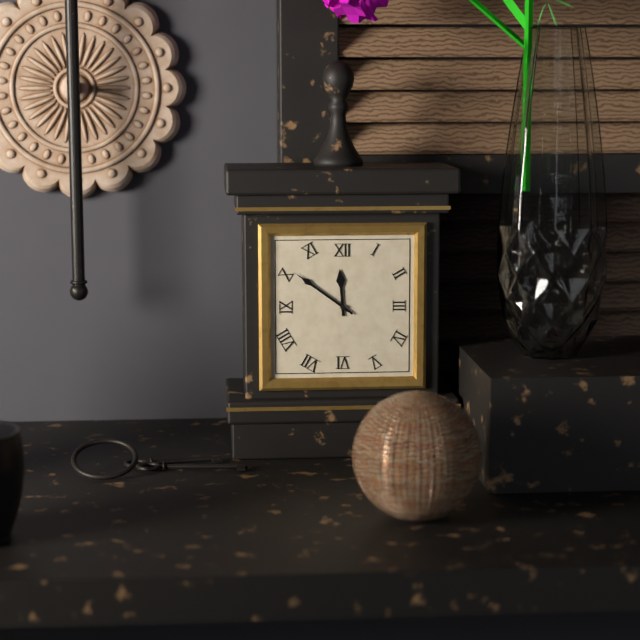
11:51
